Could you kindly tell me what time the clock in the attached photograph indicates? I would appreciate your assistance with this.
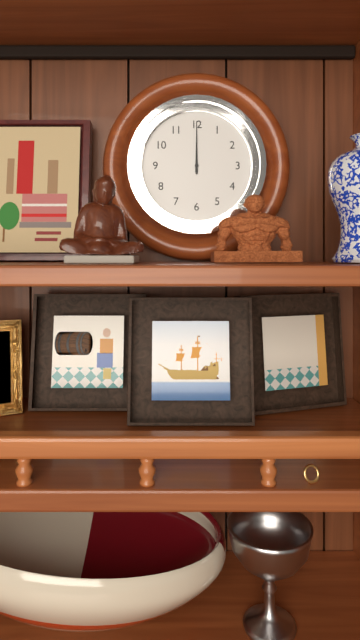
12:00
